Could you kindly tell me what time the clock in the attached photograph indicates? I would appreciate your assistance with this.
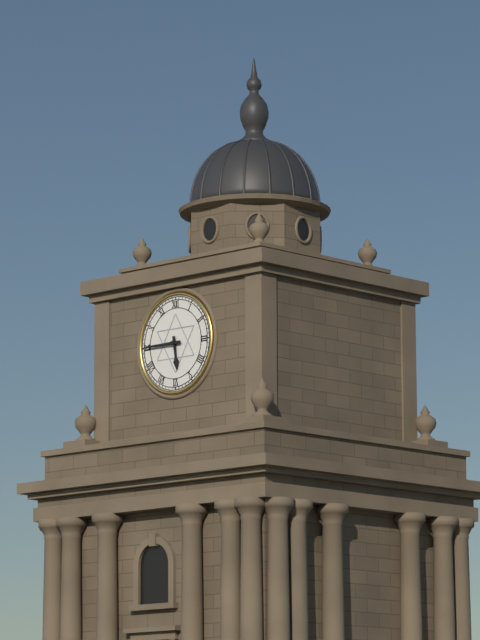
5:45
